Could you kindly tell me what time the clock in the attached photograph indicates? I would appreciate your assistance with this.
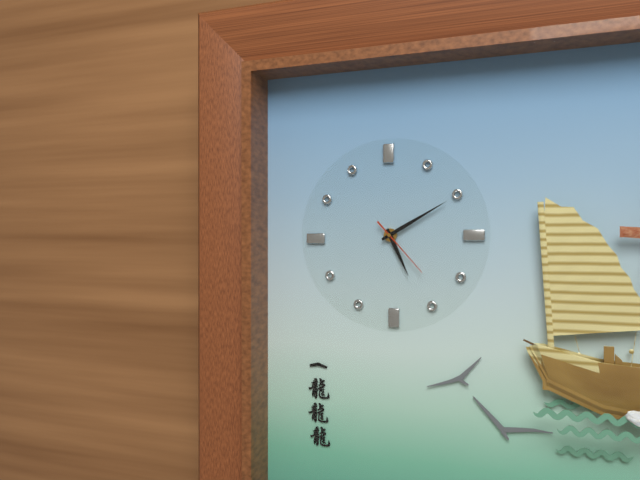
5:10:23
